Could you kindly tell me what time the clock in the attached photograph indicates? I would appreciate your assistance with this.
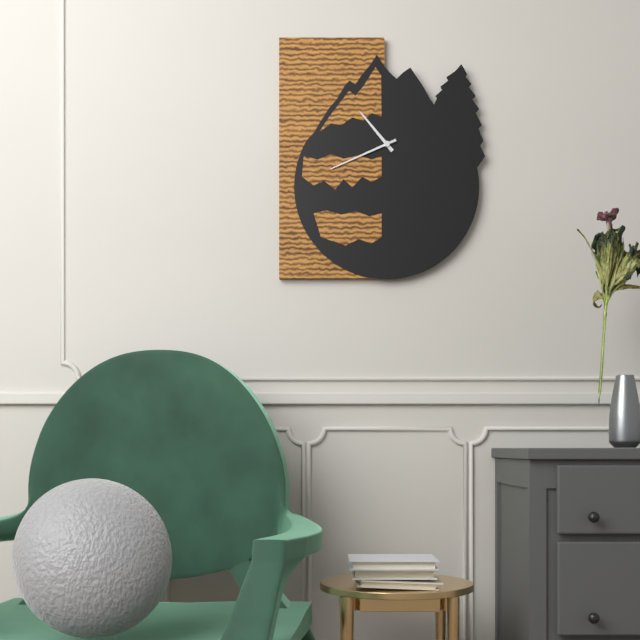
10:41
